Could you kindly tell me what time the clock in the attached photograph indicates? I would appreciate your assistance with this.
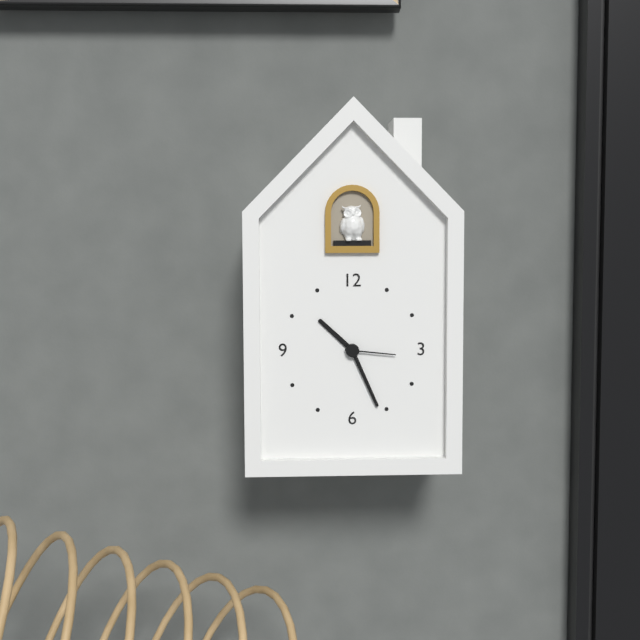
10:26:16
